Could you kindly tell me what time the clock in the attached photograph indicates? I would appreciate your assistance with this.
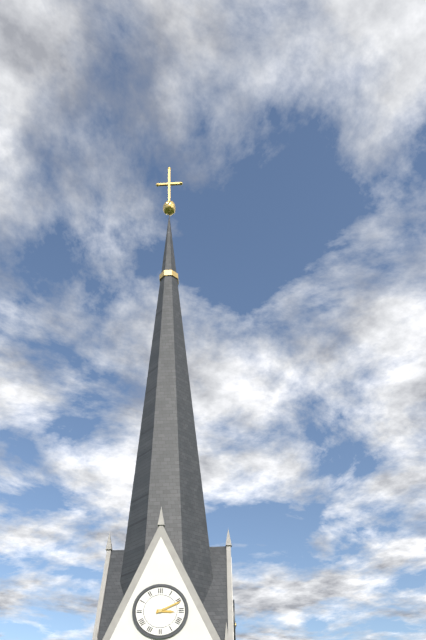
3:11
